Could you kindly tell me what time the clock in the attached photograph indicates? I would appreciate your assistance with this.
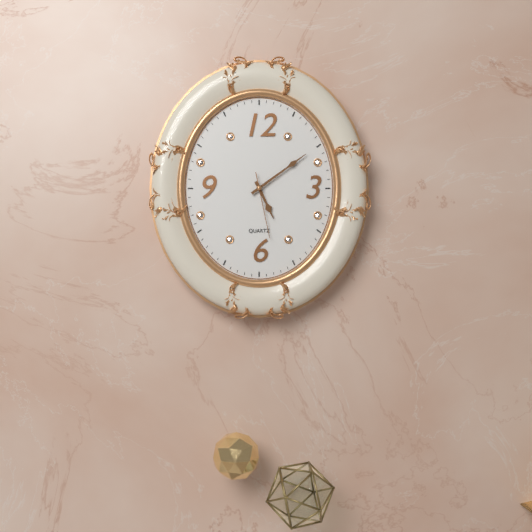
5:09:28
